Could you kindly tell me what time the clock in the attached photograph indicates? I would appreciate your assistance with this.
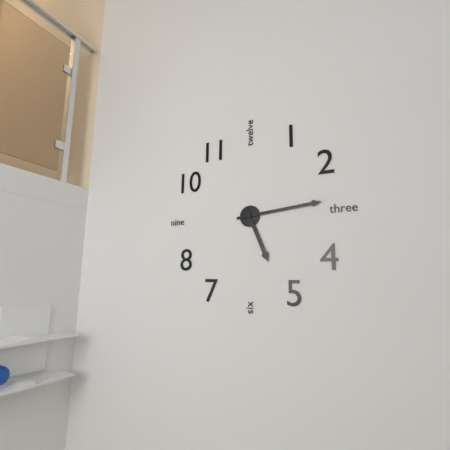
5:14
